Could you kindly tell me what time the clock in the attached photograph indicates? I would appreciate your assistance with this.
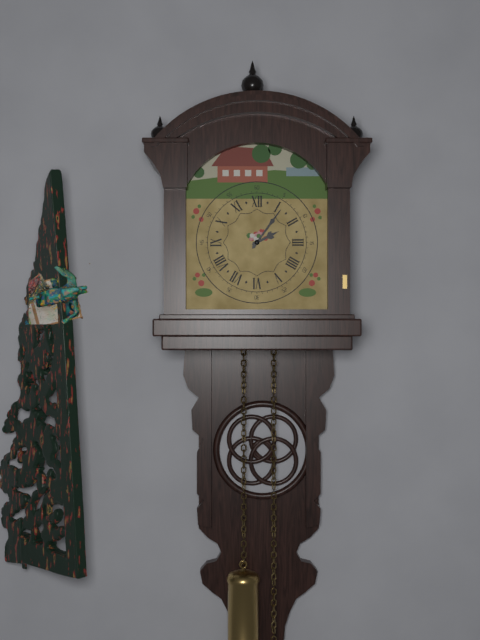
2:06
